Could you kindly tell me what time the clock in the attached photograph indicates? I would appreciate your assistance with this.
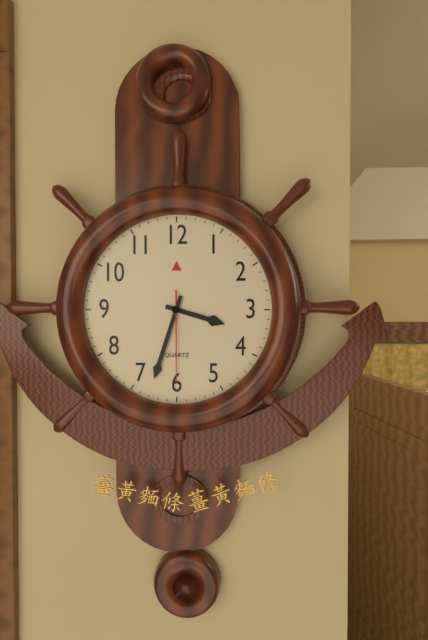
3:33:30
